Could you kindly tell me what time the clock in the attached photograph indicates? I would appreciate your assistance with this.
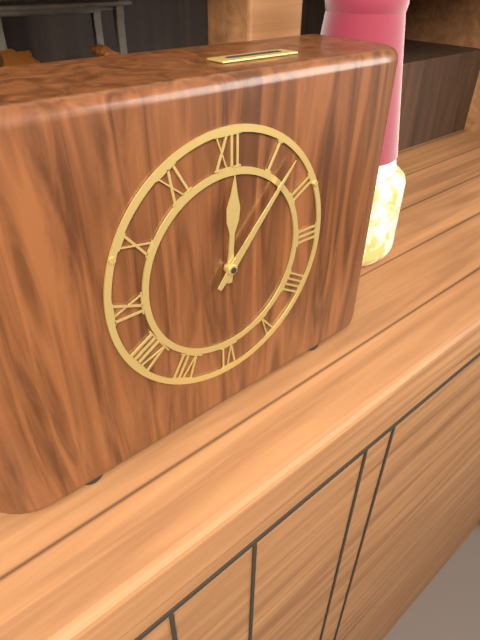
12:07
